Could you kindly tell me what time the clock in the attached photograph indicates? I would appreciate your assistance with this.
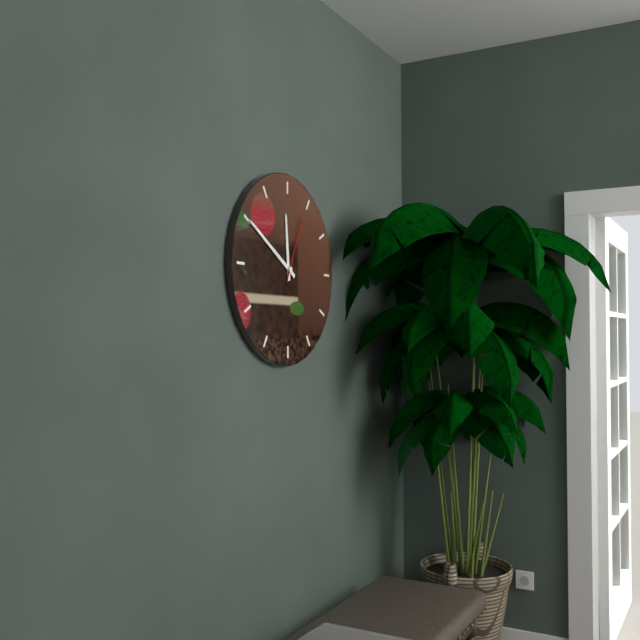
11:50:04
